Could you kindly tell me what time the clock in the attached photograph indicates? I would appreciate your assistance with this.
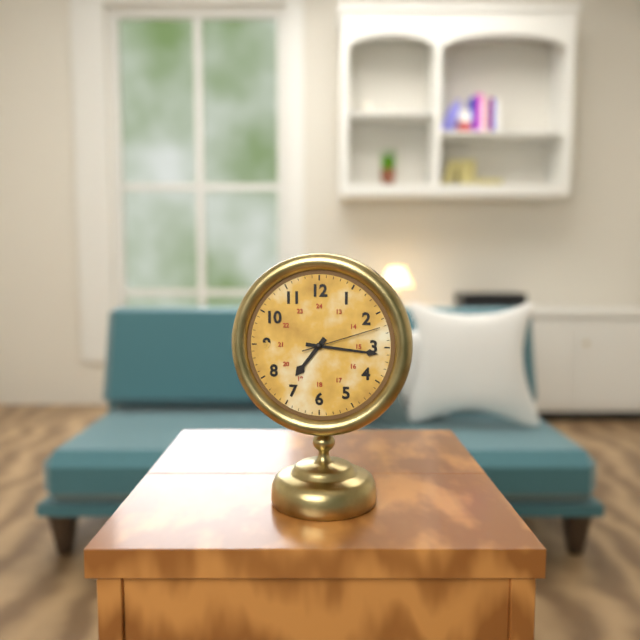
7:16:12
